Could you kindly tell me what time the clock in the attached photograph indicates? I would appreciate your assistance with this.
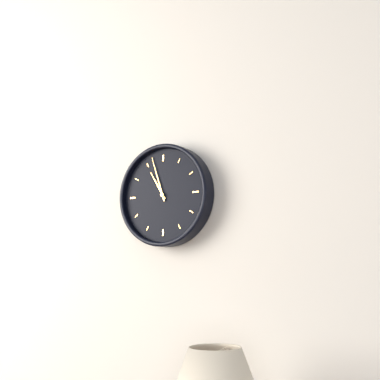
10:57
